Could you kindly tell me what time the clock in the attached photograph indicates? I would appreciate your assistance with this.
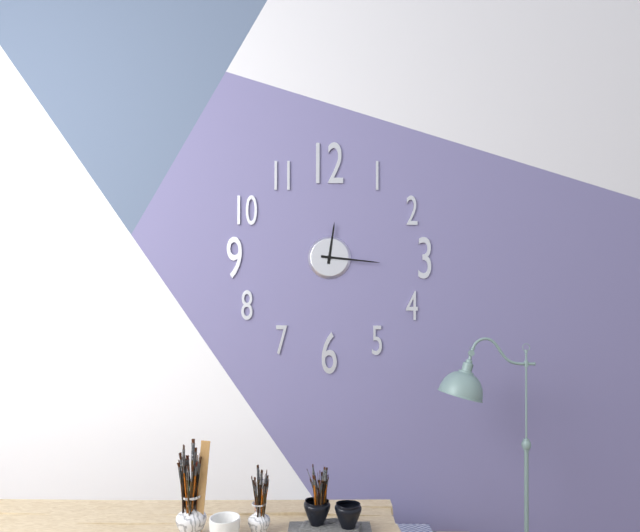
12:16
